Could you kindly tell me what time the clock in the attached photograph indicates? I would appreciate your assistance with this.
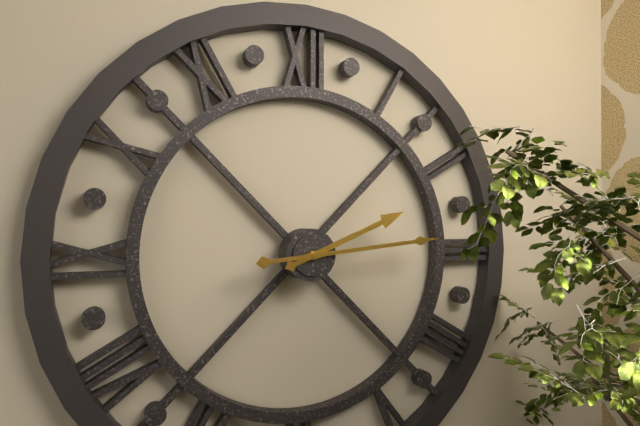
2:14
